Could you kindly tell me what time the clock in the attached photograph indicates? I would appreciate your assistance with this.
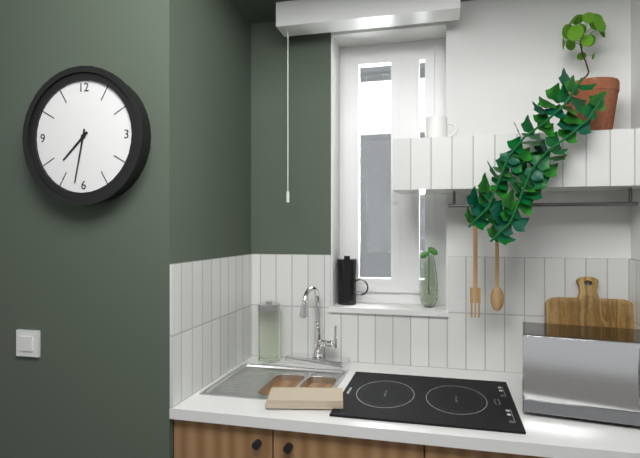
7:32
